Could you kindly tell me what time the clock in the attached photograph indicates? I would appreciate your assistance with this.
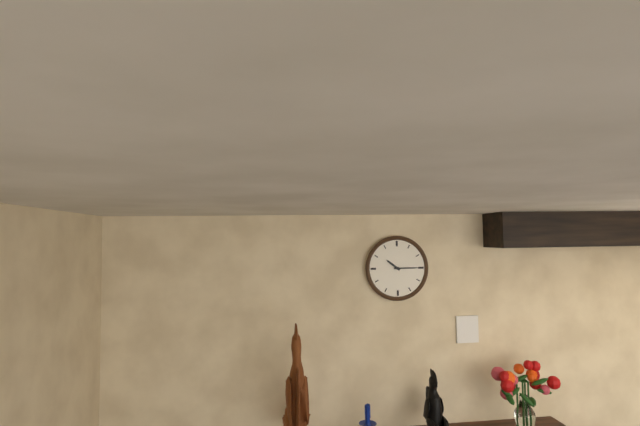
10:15
